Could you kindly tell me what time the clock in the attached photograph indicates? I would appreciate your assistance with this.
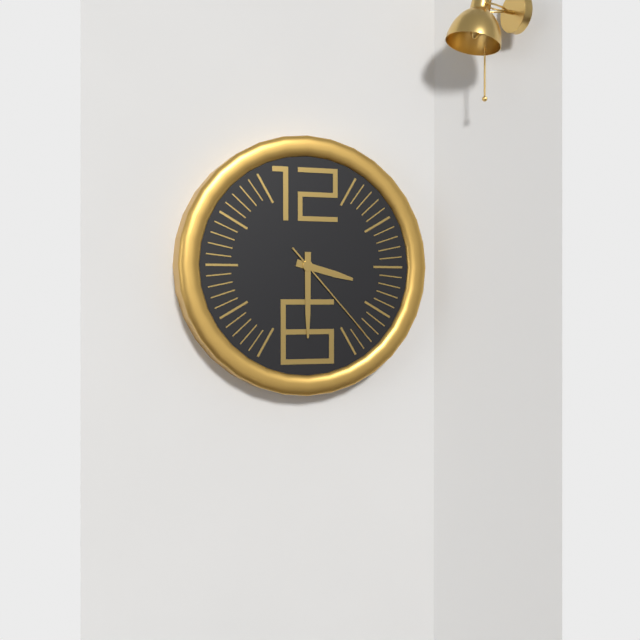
3:30:23
